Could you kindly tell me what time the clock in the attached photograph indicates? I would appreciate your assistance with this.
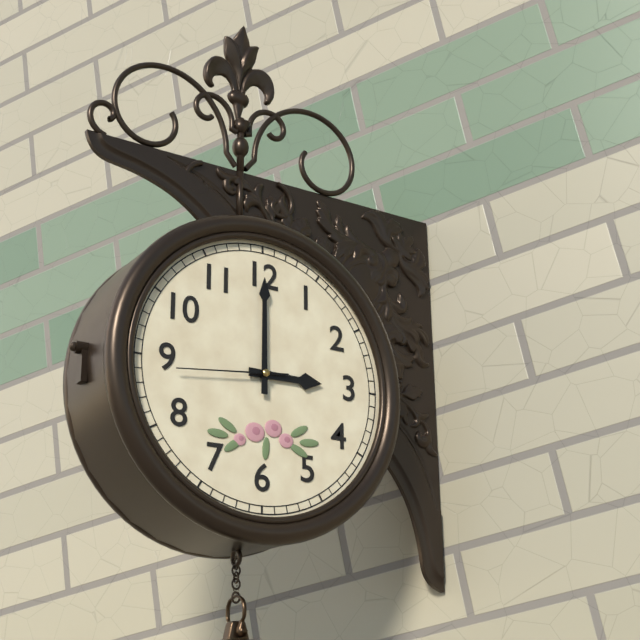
3:00:44
